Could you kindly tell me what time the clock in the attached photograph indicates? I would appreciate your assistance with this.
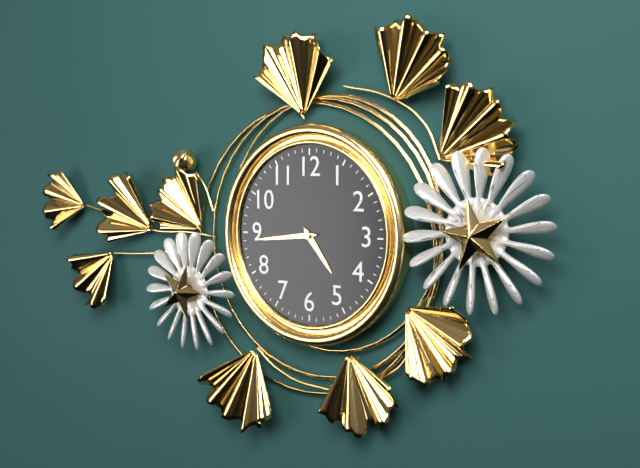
4:44
